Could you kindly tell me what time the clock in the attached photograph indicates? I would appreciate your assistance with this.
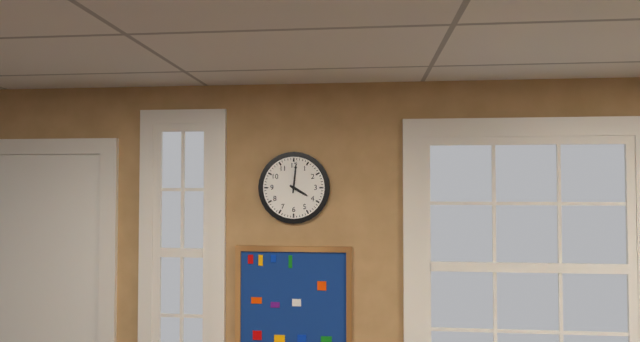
4:01
